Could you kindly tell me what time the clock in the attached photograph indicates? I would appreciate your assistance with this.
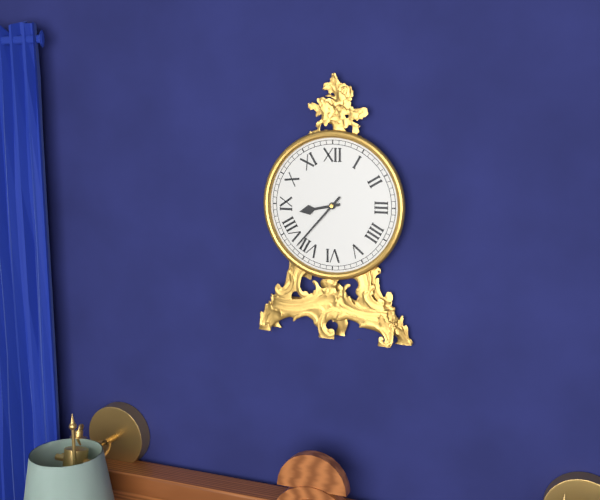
8:37
